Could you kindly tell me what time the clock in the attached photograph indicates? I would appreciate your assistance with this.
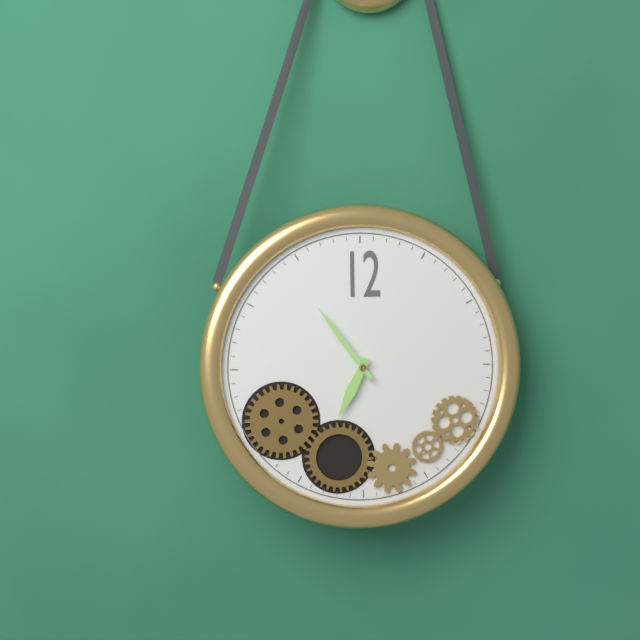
6:54
